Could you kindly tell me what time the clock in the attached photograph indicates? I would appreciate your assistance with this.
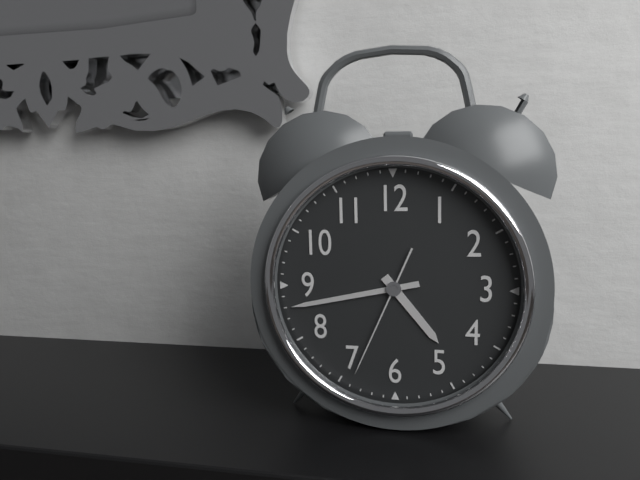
4:43:34
